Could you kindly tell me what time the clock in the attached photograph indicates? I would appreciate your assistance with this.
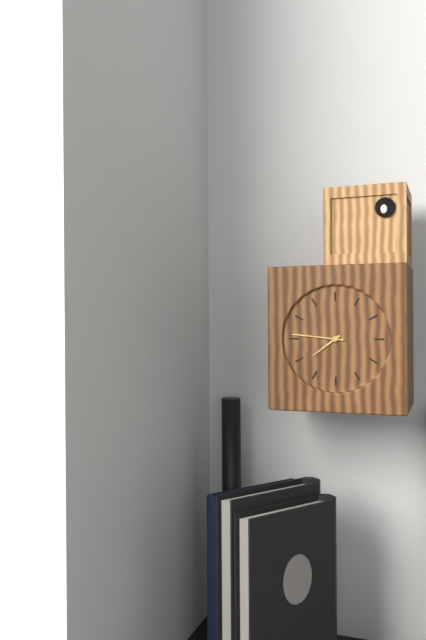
7:46
